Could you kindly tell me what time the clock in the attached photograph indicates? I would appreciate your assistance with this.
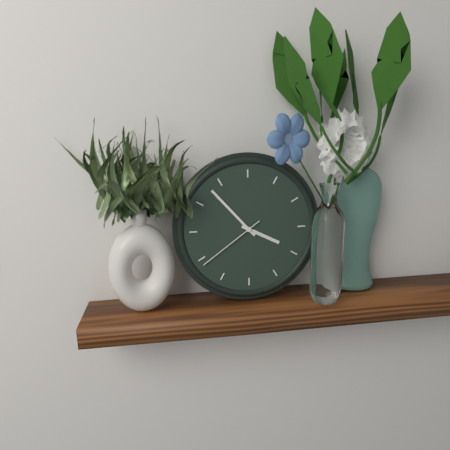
3:53:39
